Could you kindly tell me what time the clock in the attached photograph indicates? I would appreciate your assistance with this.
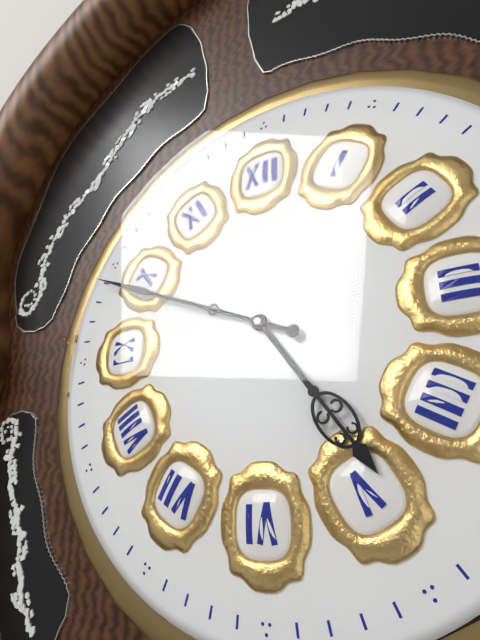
4:49
